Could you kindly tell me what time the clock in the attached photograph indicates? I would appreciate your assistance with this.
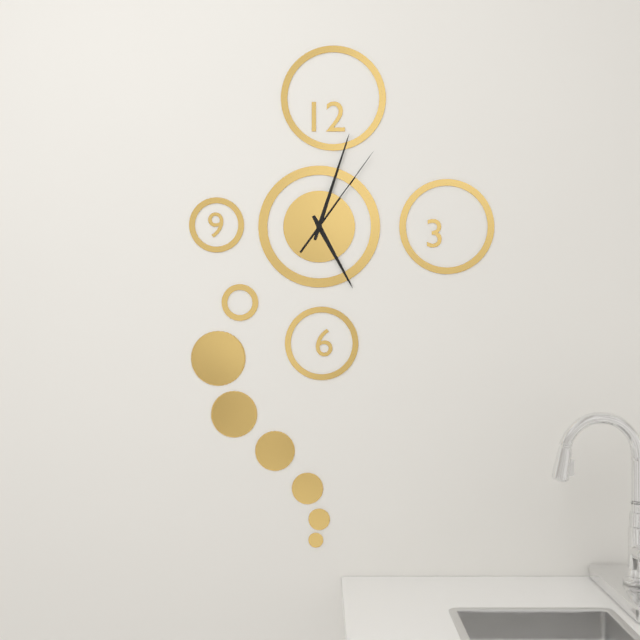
5:03:06
